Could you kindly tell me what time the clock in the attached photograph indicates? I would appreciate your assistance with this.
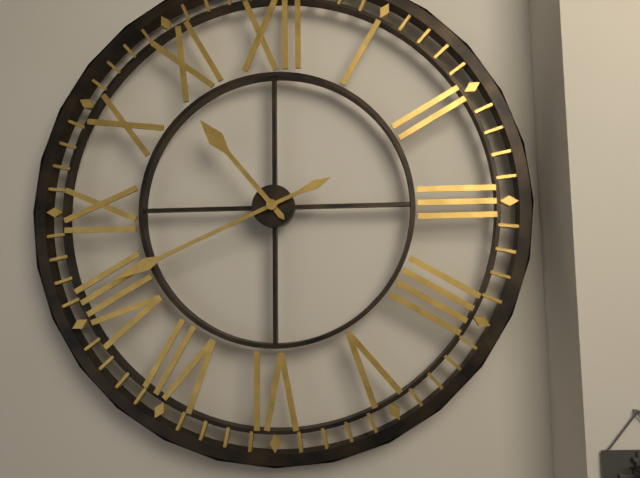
10:41
